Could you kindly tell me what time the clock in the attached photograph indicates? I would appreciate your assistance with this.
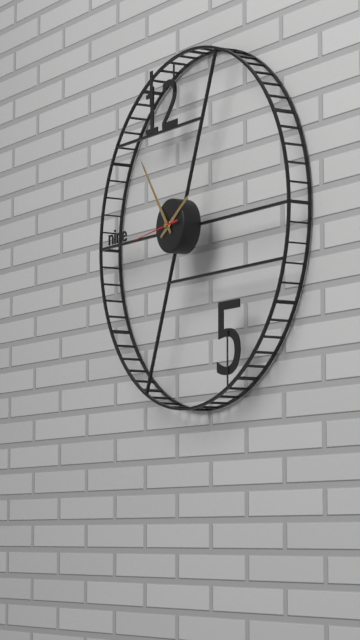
1:54
